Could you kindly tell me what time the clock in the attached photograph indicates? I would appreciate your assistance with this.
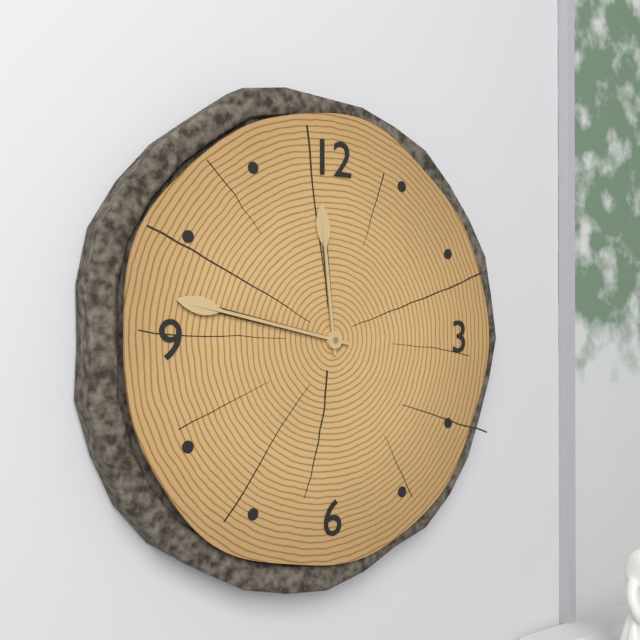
11:47
